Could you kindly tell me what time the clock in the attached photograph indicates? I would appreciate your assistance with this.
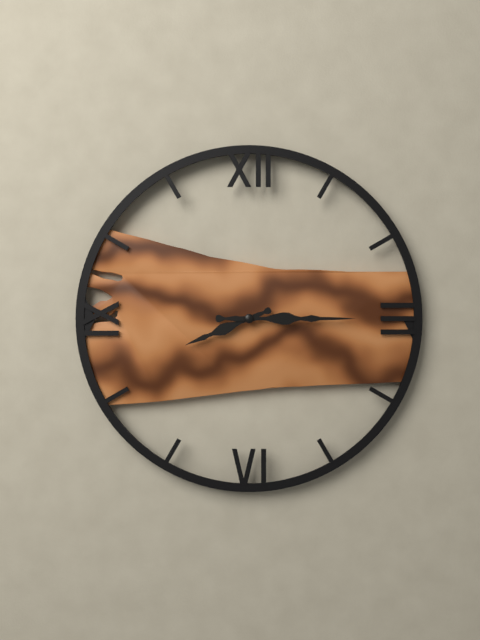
8:15
